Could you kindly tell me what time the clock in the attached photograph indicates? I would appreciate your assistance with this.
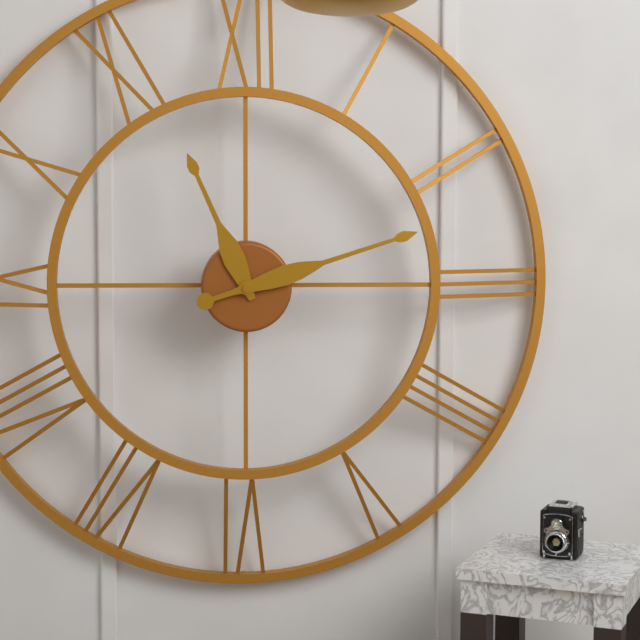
11:12
